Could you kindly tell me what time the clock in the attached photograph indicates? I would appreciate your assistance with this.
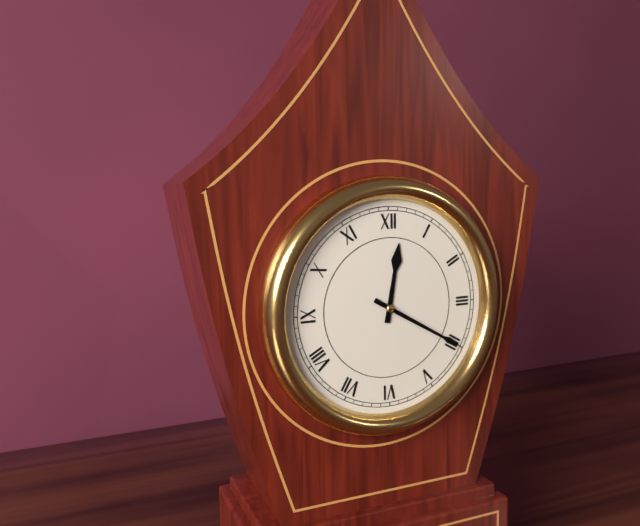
12:20
